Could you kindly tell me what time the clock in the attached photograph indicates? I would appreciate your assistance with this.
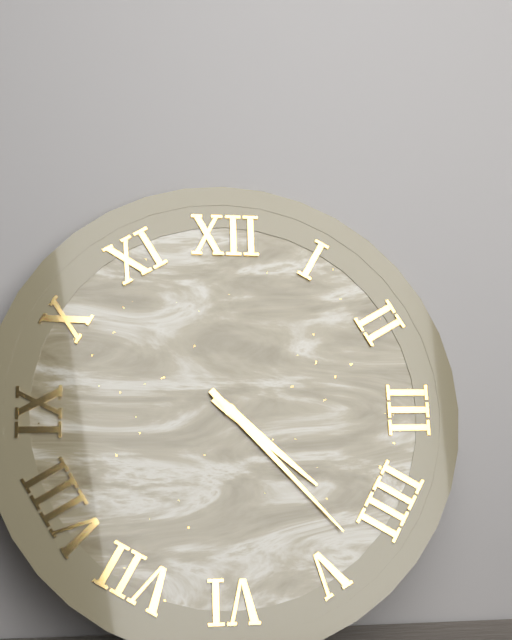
4:23
